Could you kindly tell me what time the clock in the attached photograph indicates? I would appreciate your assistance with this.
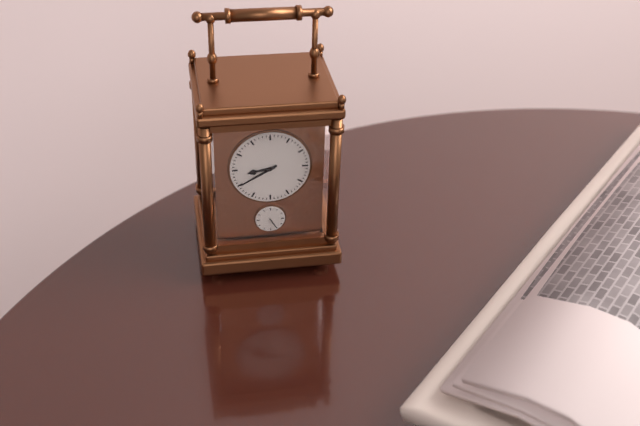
8:40
